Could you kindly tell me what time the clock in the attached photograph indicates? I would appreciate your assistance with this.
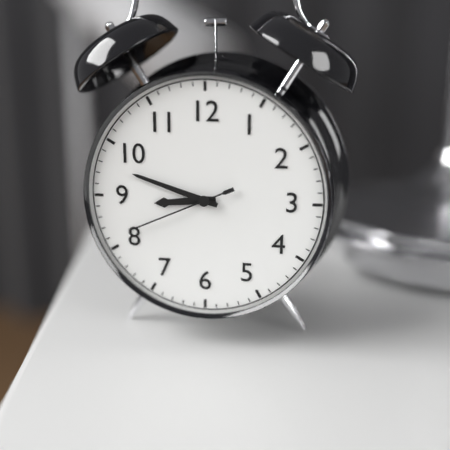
8:48:41
